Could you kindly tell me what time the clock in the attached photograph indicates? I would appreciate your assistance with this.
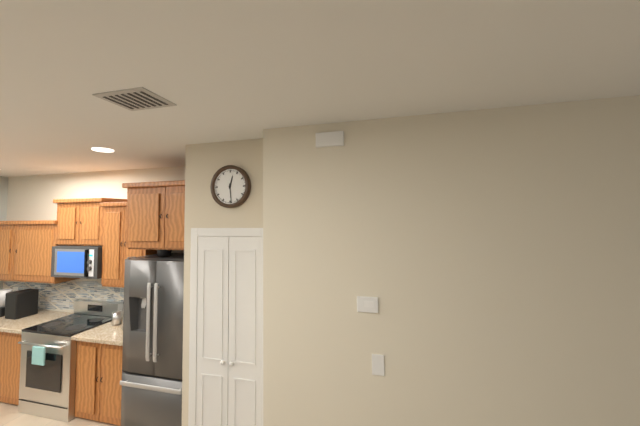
12:29
